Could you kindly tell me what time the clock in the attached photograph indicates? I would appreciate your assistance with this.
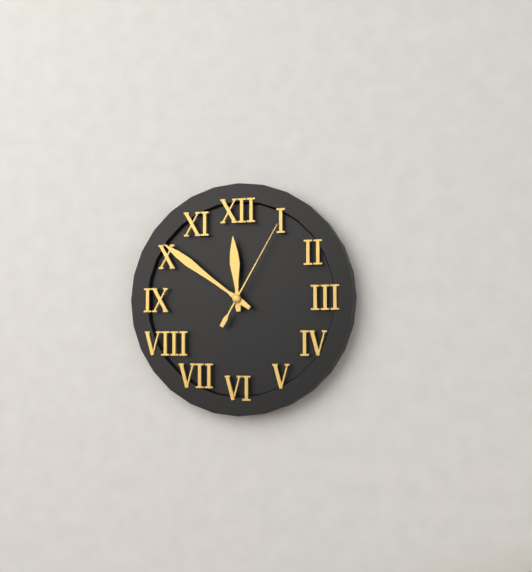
11:51:05
